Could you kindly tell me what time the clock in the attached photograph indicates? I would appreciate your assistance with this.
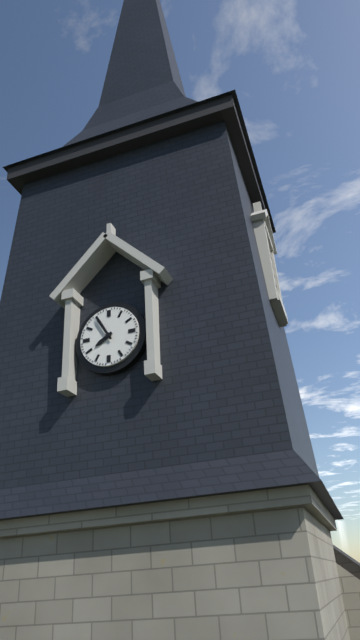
7:55
